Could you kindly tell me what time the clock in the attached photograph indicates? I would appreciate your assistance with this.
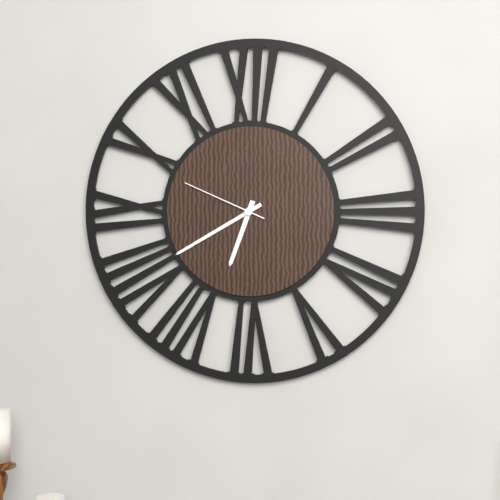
6:40:49
